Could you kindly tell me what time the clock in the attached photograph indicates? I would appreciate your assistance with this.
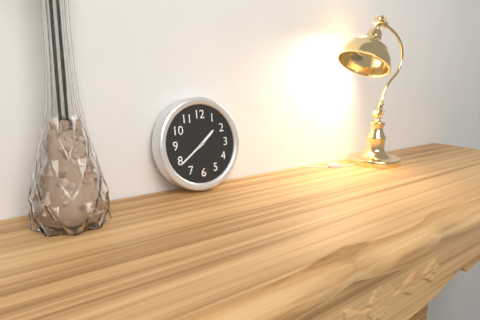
1:39
